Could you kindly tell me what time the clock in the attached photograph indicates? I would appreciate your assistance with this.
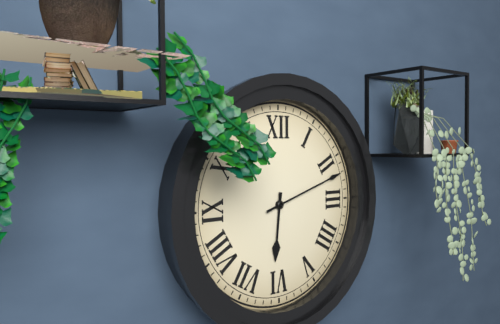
6:12
